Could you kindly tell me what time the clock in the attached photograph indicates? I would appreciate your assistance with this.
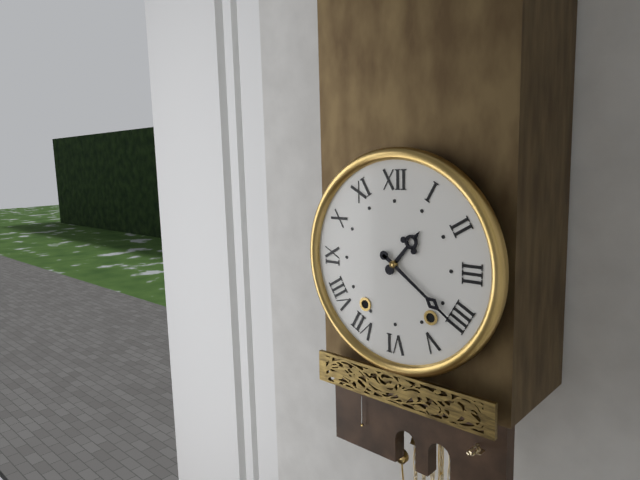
1:21
